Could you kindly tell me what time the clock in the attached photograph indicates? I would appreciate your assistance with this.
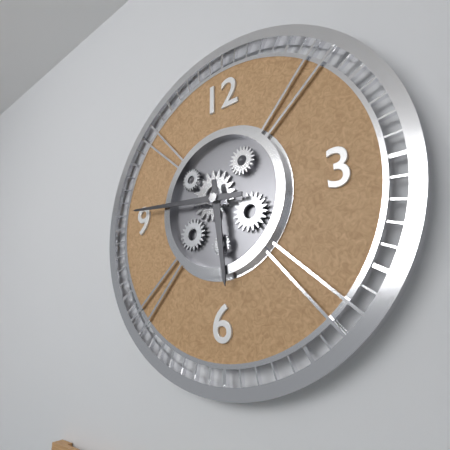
5:46
